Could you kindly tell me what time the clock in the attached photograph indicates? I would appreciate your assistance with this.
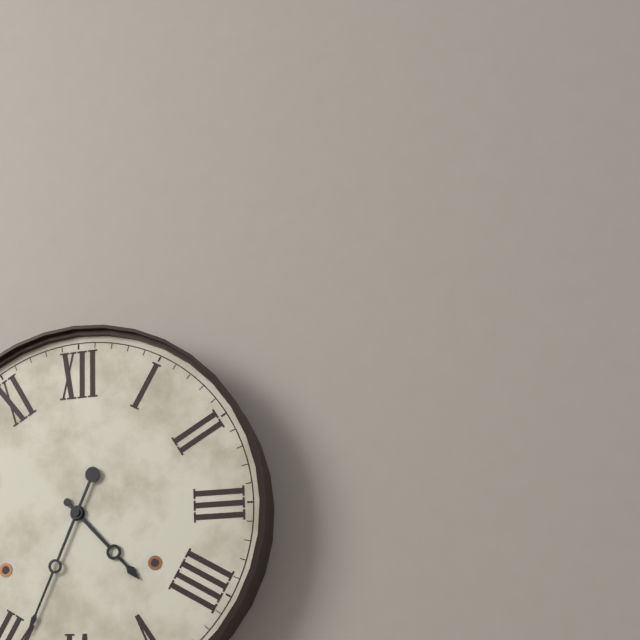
4:34
